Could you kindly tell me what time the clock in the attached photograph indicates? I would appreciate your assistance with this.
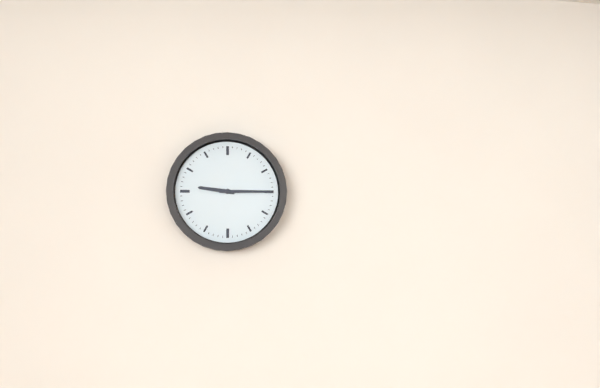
9:15
